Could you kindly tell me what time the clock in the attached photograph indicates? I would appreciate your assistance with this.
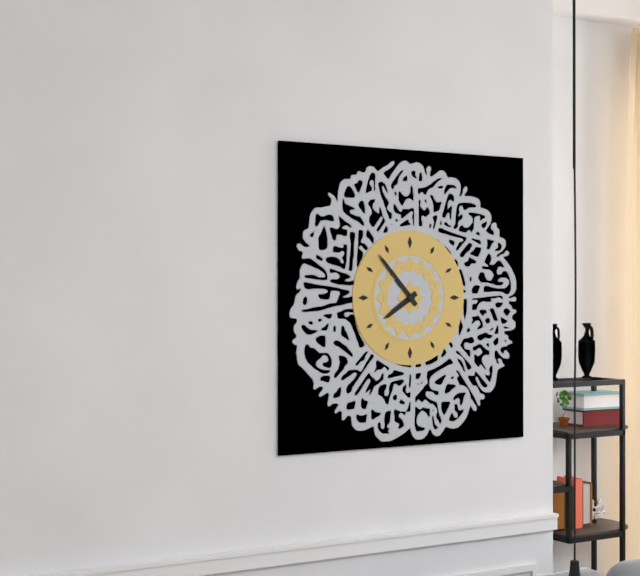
7:53
